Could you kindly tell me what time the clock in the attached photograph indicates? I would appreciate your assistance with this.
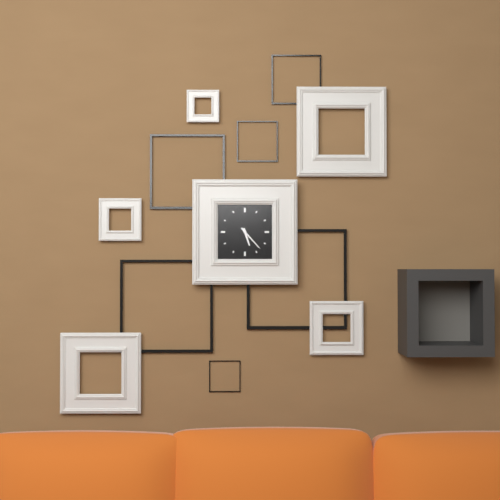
5:23
